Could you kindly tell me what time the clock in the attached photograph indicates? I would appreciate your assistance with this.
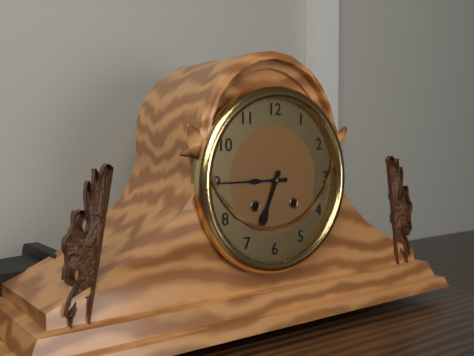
6:45
